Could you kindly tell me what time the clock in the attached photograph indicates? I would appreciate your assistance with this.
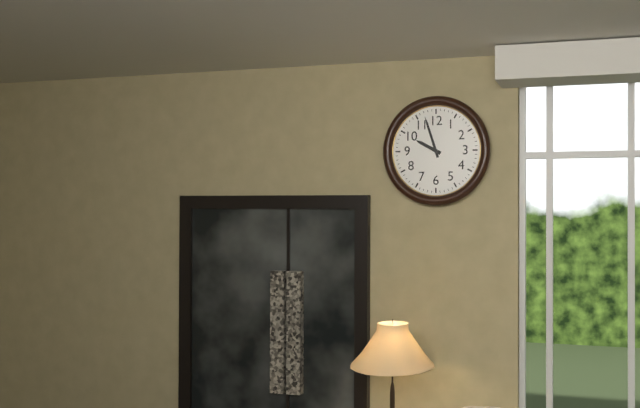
9:57
